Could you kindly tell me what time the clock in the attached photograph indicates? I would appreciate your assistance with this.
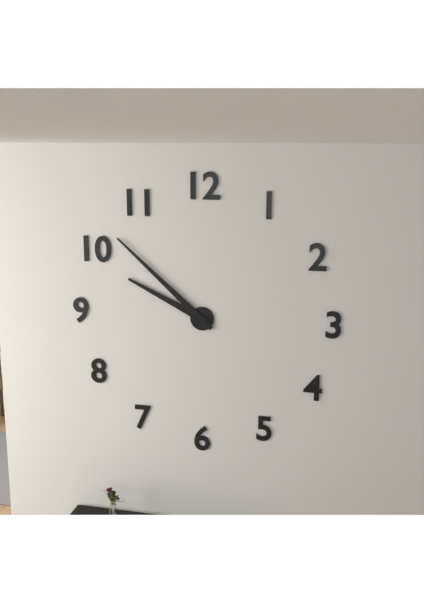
9:52
